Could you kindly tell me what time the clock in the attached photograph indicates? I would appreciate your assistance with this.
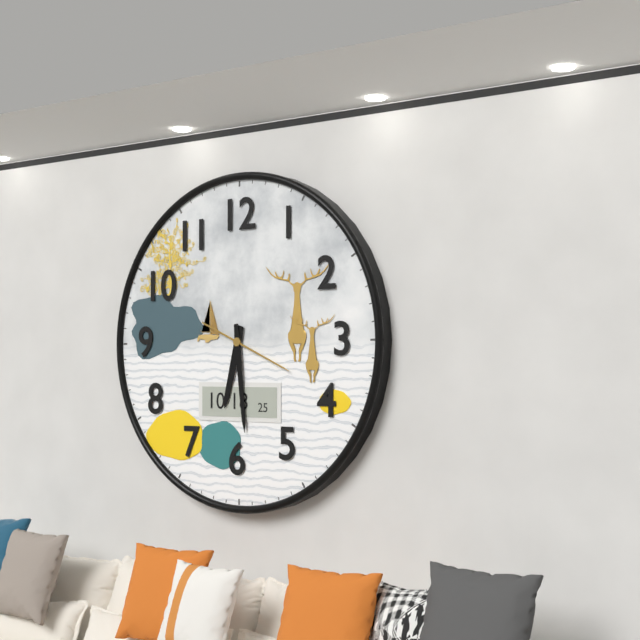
6:29:19
